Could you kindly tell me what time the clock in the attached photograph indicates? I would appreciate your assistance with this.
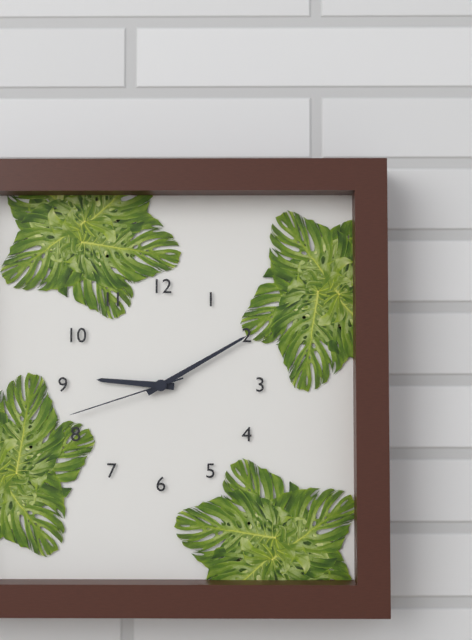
9:10:42
